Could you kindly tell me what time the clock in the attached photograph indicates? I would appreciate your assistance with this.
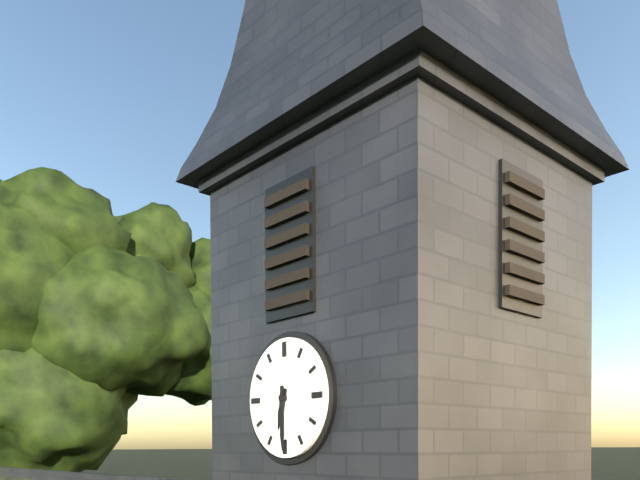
6:30
